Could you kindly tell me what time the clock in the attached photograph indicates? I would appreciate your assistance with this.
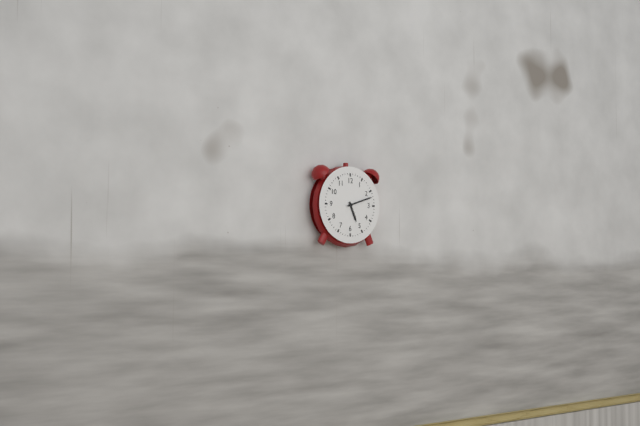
5:12
